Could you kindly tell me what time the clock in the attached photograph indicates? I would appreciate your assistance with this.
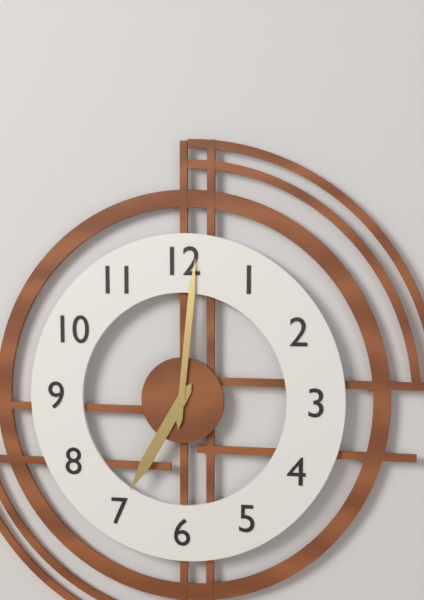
7:01
